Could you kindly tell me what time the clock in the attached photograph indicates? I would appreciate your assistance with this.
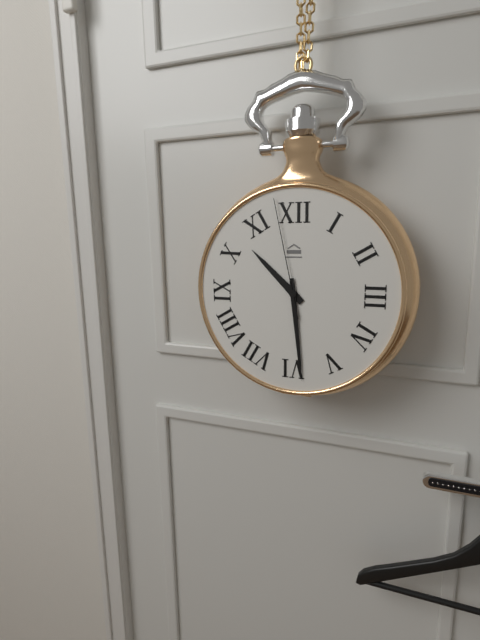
10:29:58
